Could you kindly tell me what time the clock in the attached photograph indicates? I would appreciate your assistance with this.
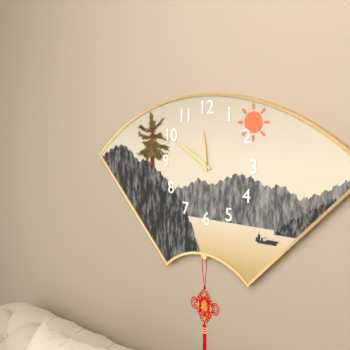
11:50
